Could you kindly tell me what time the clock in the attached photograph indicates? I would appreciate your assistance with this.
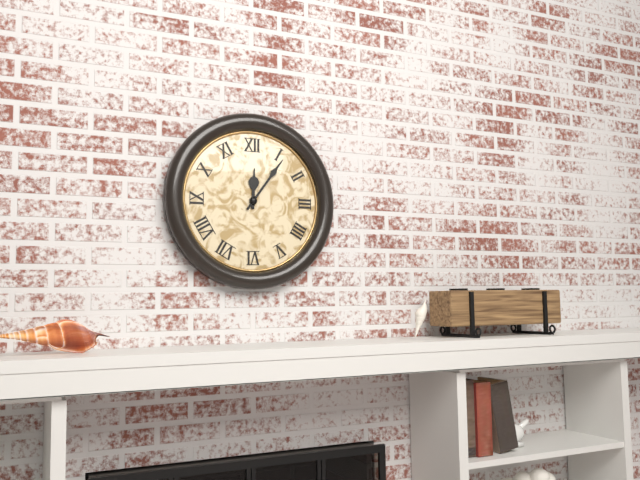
12:06
